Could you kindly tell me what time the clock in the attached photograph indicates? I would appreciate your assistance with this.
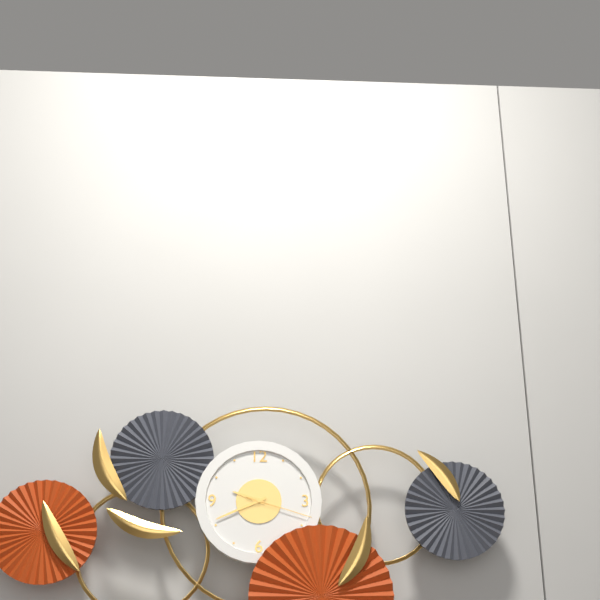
9:41:18
